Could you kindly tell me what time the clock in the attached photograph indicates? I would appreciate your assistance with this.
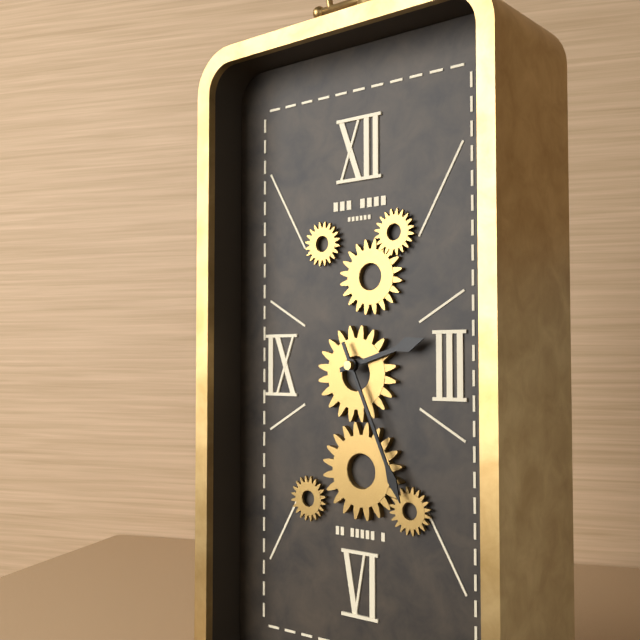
2:26
